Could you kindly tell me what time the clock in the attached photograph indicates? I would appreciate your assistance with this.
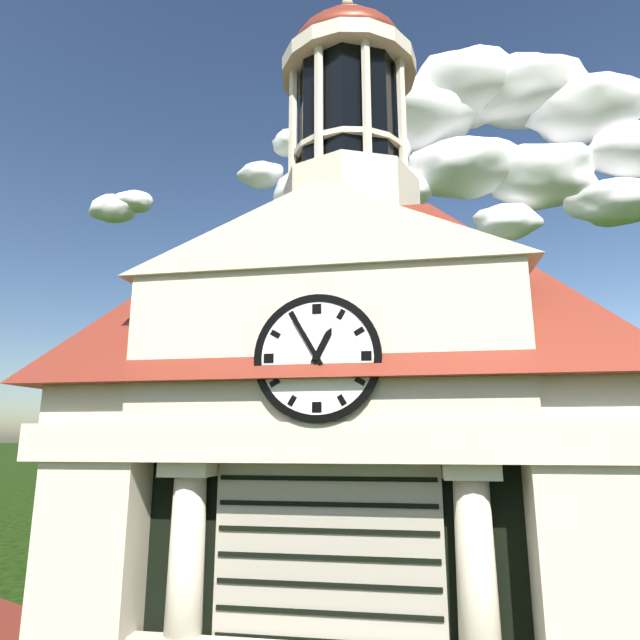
12:55
